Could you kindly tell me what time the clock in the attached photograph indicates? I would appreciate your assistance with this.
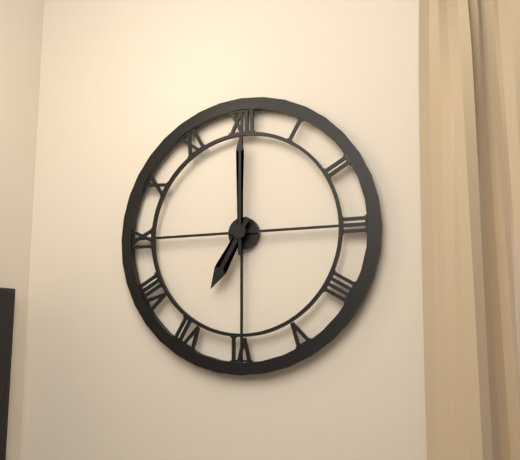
7:00
